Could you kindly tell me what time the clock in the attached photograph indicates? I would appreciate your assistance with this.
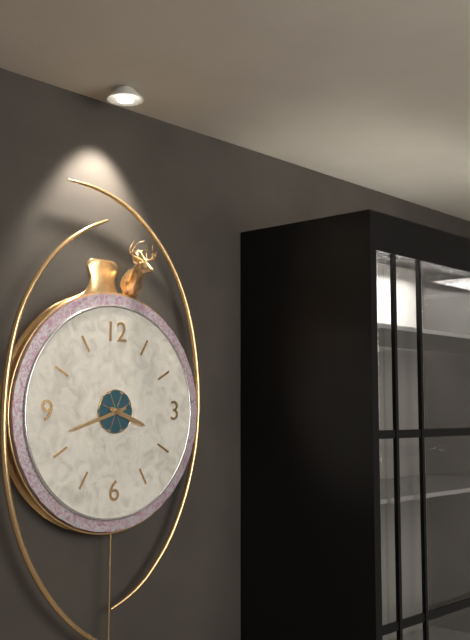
3:42
